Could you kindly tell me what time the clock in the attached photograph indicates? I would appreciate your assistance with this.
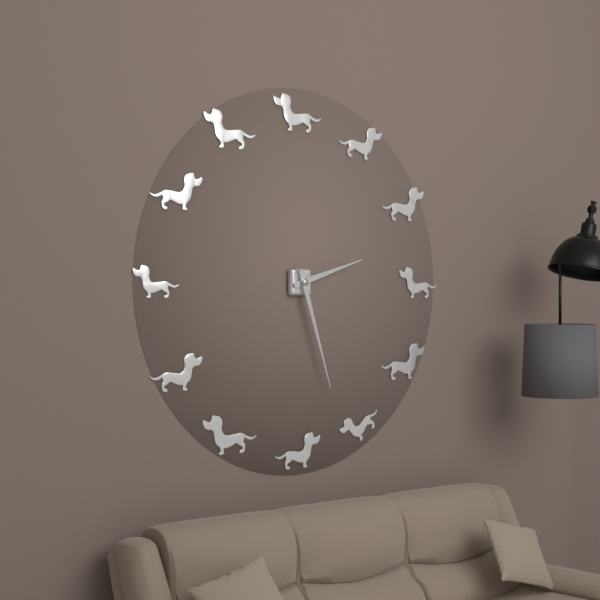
2:27
